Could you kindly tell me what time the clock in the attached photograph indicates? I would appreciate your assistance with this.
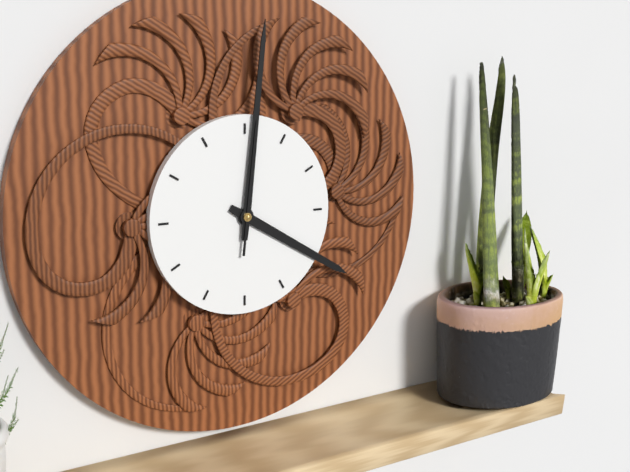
4:01:01
